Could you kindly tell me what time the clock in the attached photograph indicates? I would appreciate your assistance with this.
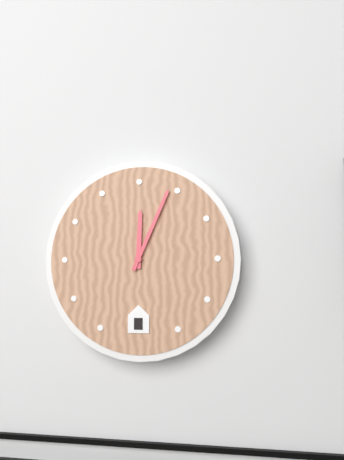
12:04
